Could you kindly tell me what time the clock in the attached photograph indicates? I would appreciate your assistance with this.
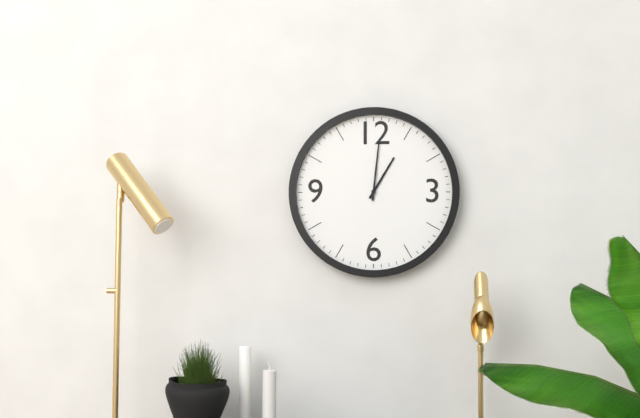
1:01
